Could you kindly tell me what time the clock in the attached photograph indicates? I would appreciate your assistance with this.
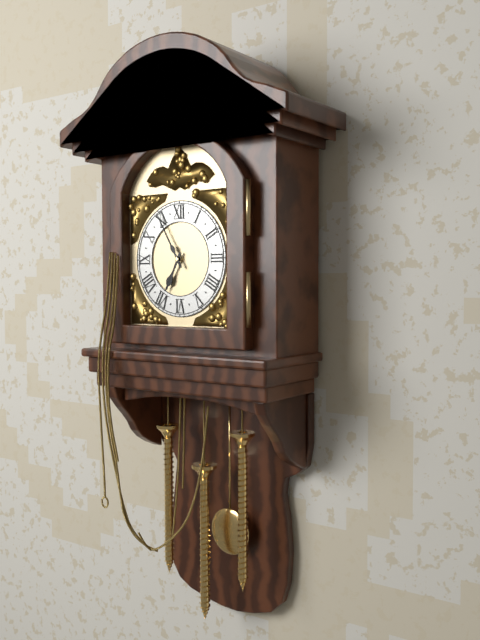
6:55
